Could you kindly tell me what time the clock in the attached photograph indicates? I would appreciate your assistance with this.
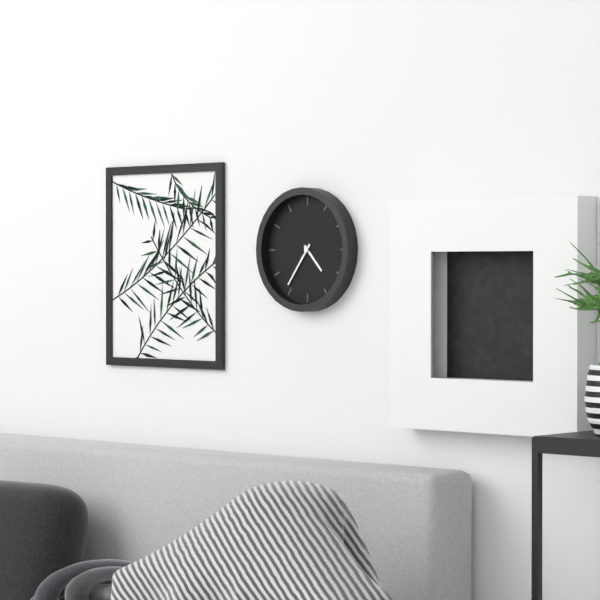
4:36
